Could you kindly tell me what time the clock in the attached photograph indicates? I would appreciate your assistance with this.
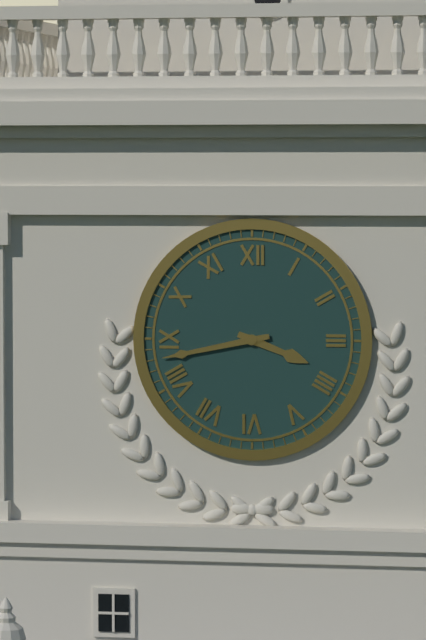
3:43
